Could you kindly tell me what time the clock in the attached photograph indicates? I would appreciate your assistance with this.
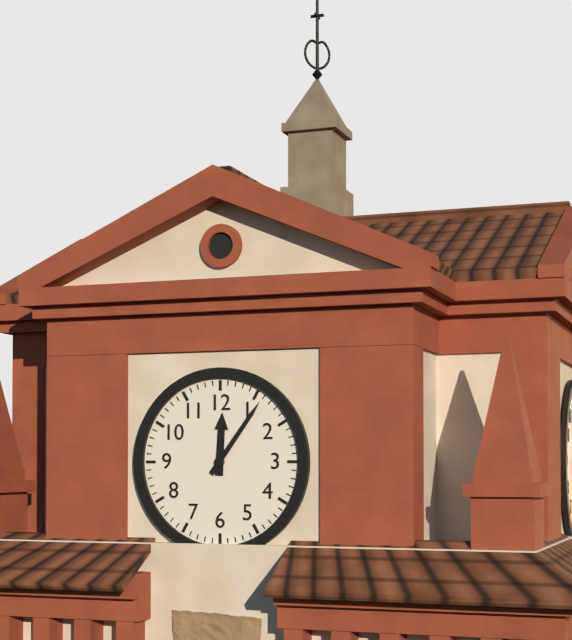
12:06
